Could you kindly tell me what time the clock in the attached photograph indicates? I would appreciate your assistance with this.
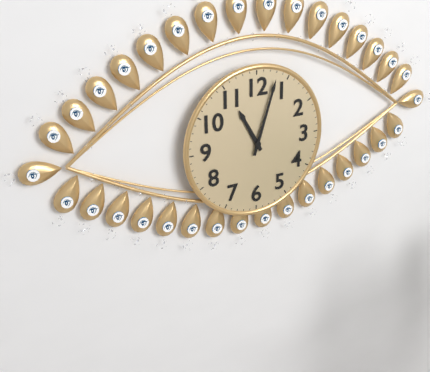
11:03
